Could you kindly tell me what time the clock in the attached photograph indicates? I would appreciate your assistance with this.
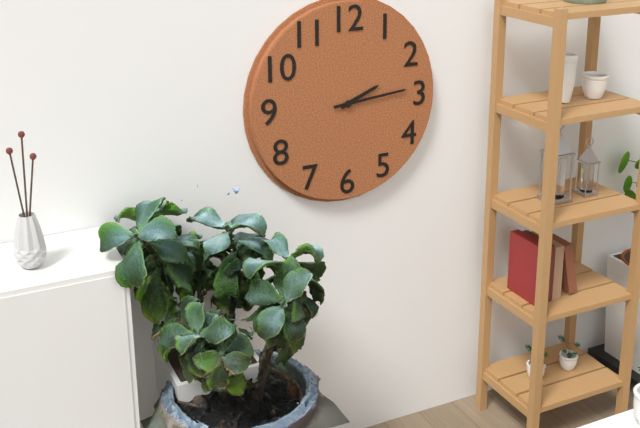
2:14
